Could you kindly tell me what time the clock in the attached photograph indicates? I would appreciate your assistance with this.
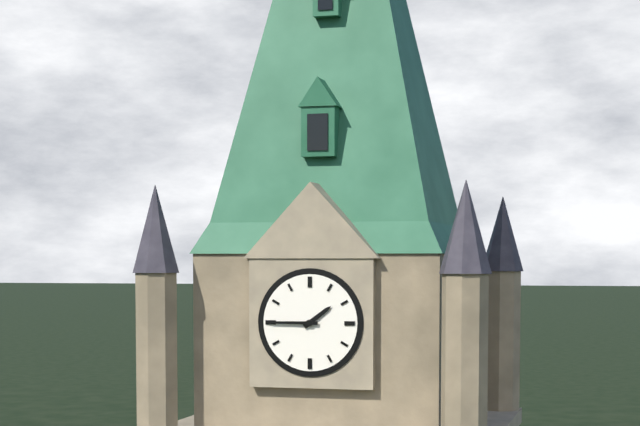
1:45
